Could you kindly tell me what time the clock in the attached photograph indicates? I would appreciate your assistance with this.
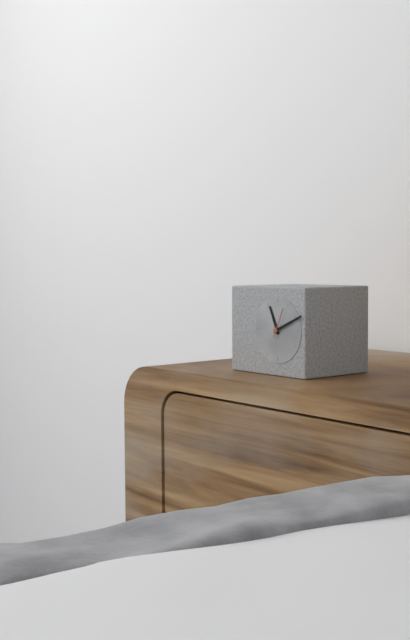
11:11
